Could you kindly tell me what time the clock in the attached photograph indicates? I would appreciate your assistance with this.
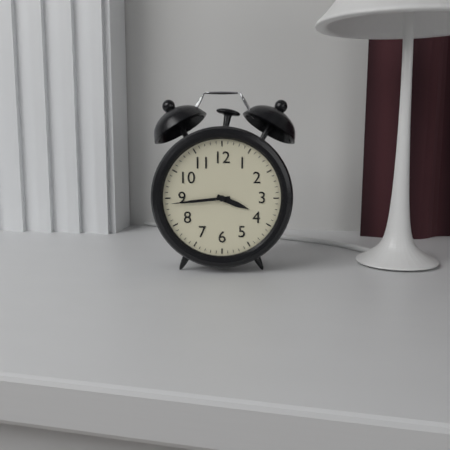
3:44
